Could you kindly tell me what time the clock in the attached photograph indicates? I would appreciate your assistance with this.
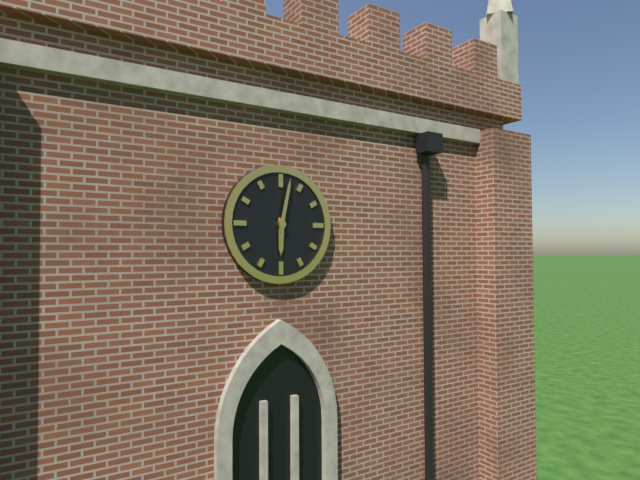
6:02
